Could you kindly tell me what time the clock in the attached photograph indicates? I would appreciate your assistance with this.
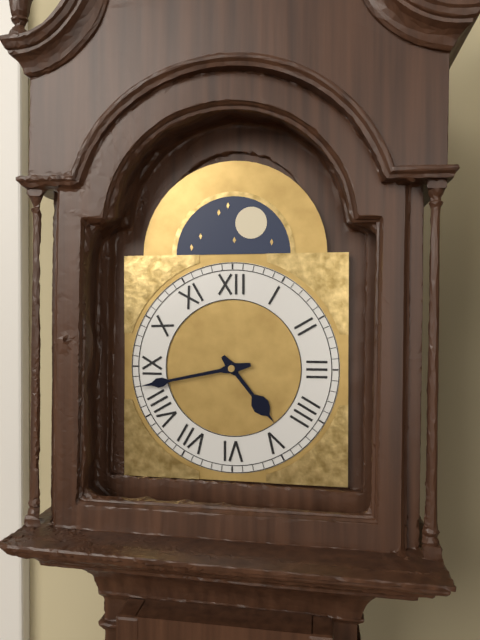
4:43
